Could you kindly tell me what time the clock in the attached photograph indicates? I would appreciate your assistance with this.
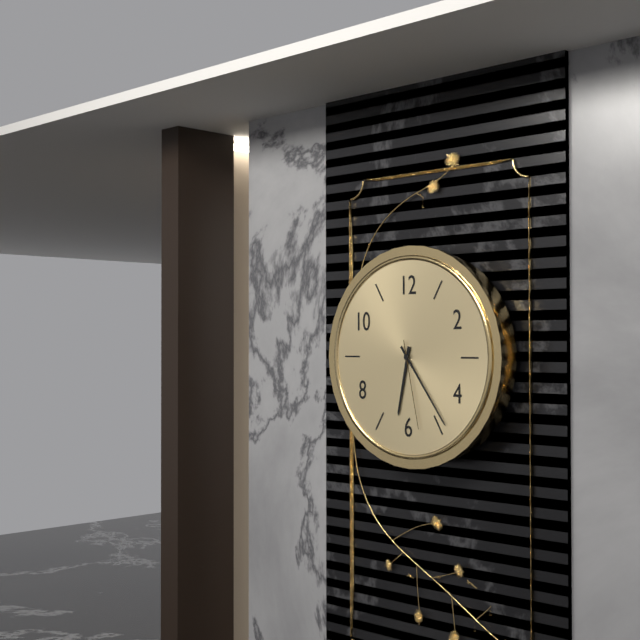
6:24:28
